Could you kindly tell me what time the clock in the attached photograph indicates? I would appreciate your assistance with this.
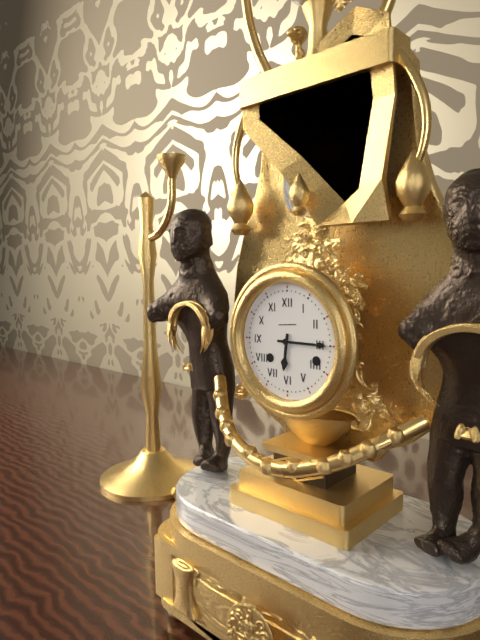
6:15
